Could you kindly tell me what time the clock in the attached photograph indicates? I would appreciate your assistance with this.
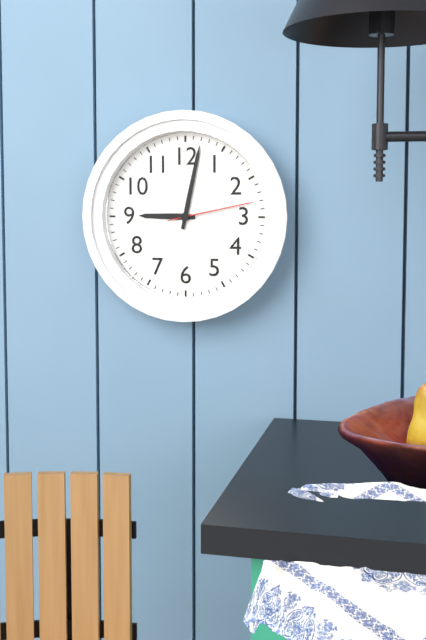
9:02:13
